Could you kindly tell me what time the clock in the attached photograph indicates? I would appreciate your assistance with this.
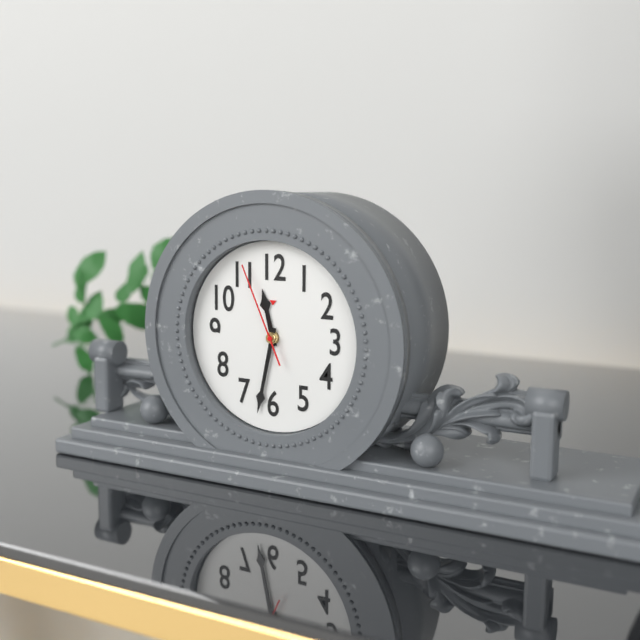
11:32:56
